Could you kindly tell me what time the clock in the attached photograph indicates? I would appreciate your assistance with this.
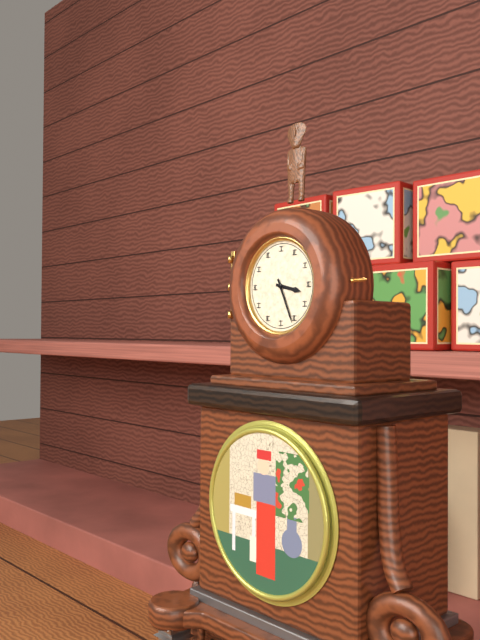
3:26
